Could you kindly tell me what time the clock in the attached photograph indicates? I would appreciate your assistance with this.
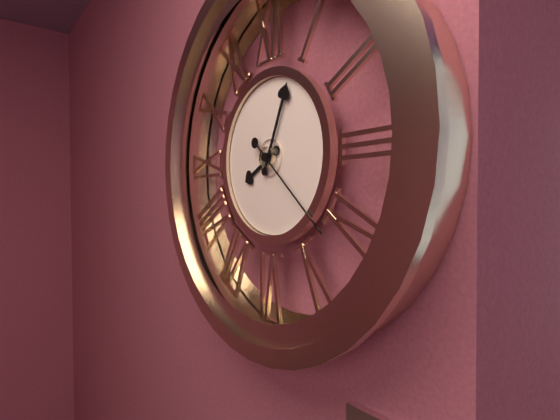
8:04:22
